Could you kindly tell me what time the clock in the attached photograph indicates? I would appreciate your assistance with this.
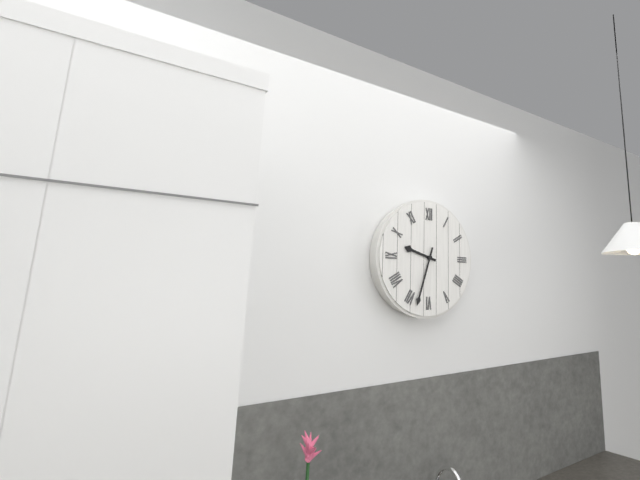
9:33
